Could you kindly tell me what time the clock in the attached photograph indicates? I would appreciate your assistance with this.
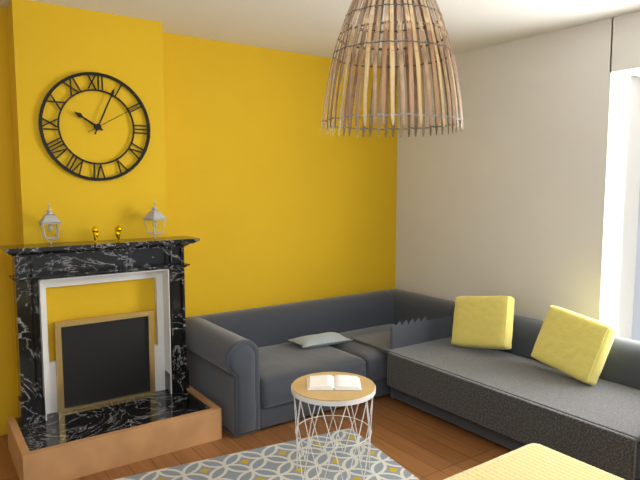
10:04:10
